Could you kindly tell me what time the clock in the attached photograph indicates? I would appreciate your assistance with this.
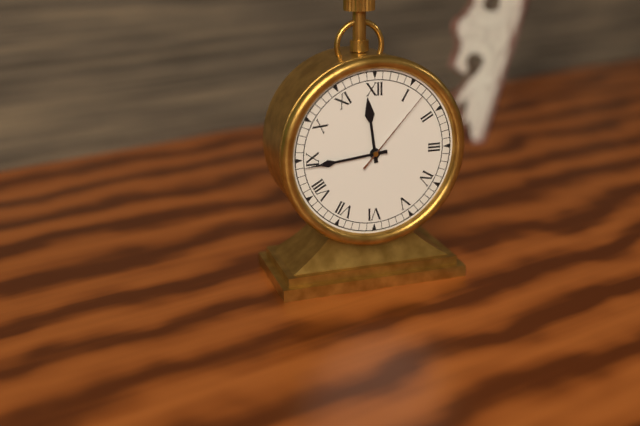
11:44:07
